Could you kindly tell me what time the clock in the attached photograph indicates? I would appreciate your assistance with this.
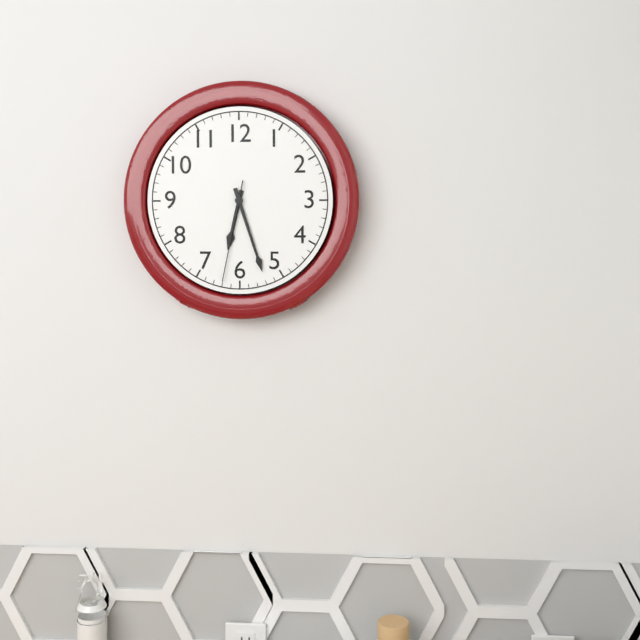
6:27:32
